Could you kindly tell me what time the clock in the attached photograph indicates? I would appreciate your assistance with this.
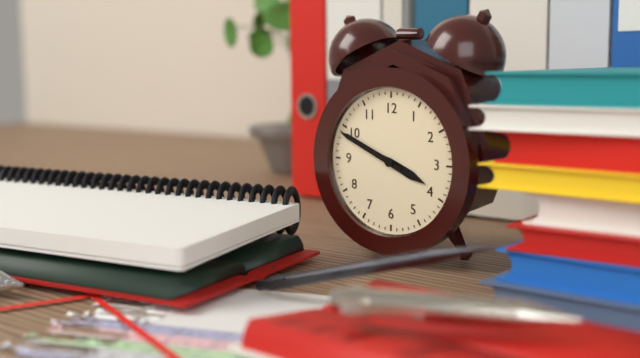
3:49
